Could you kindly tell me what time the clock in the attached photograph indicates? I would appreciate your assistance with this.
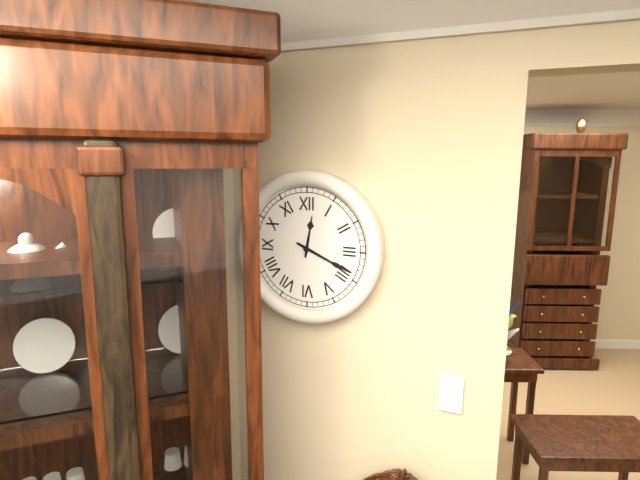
12:19
